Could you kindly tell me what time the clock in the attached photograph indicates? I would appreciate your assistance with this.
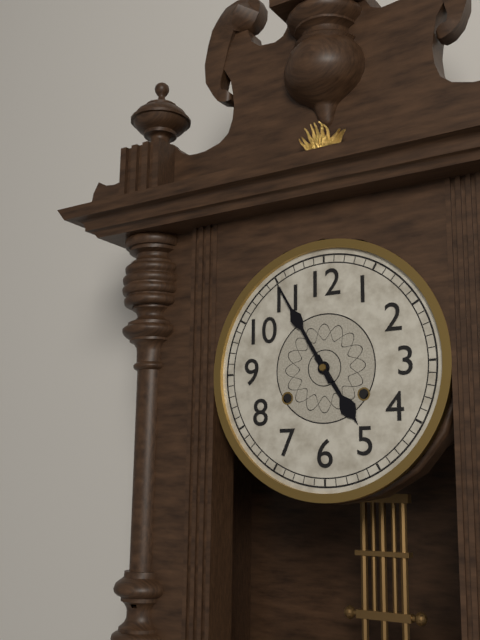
4:55
